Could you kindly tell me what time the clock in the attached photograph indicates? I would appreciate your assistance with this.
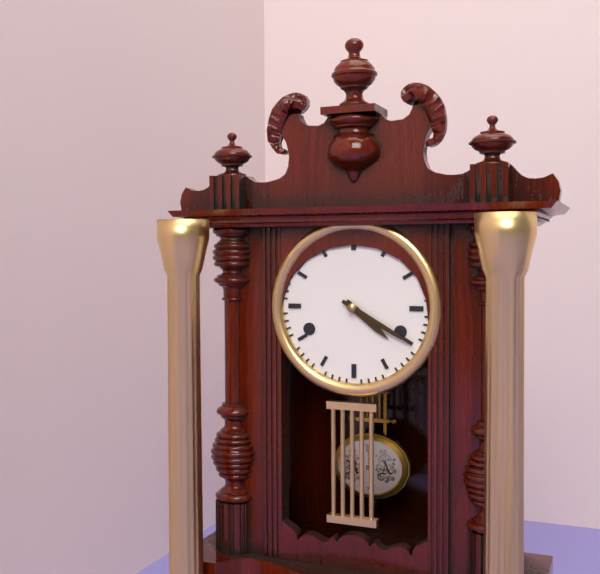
4:20
